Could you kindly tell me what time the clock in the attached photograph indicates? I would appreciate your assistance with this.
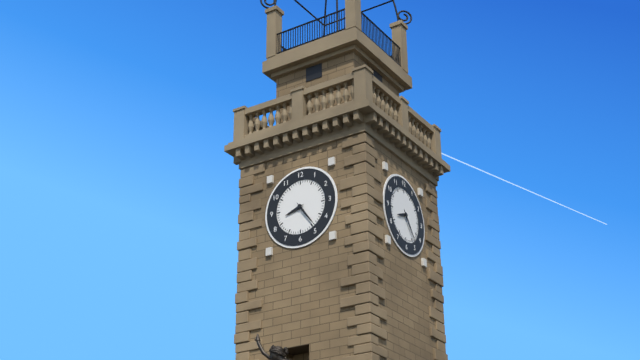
8:24
